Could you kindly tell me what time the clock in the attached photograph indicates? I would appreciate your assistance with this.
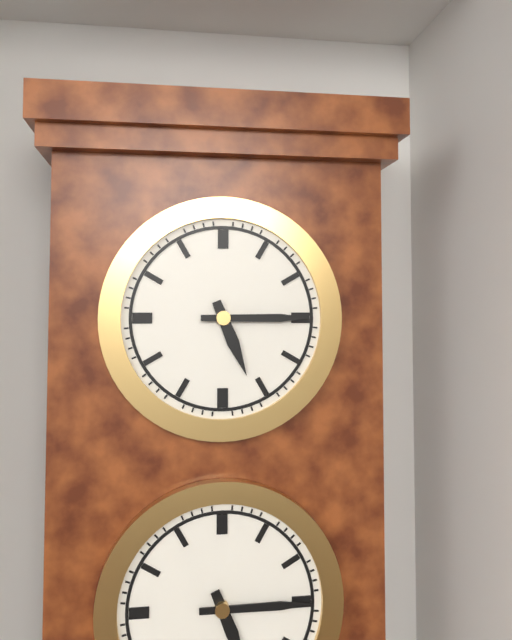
5:15
